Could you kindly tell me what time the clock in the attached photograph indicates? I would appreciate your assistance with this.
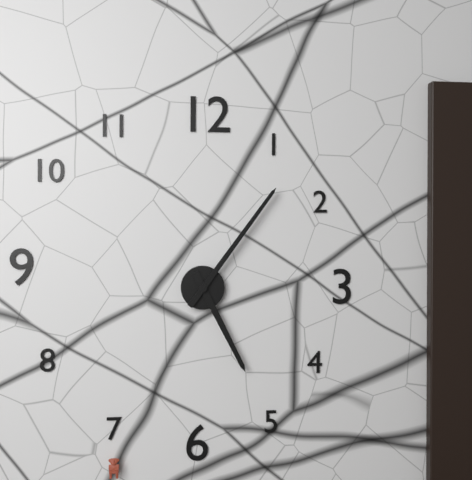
5:06
